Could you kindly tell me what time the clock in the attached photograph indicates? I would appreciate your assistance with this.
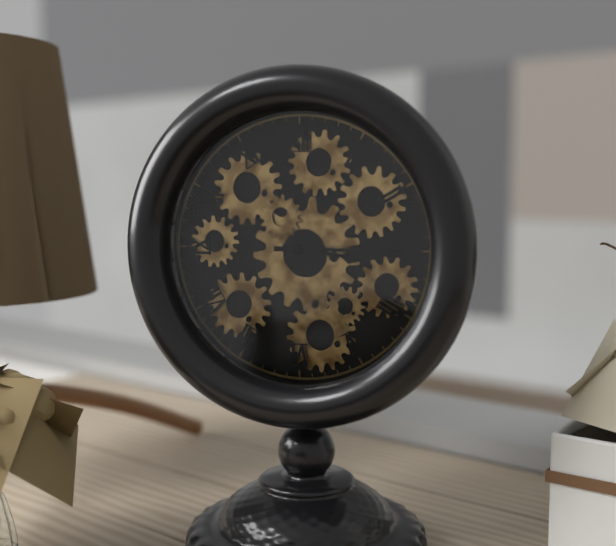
3:15
